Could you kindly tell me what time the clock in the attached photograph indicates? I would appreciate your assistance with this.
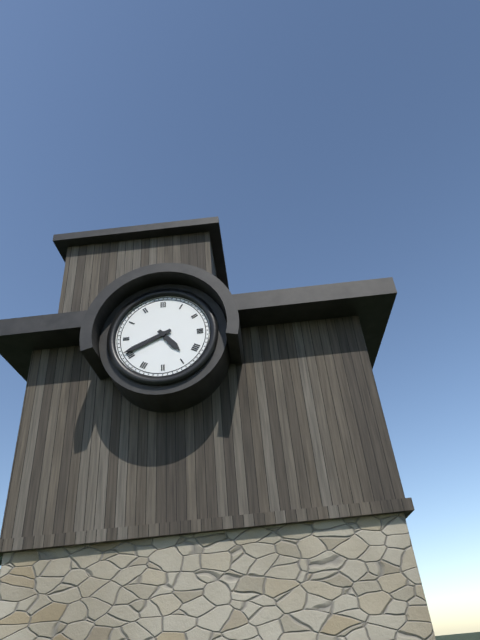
4:41
